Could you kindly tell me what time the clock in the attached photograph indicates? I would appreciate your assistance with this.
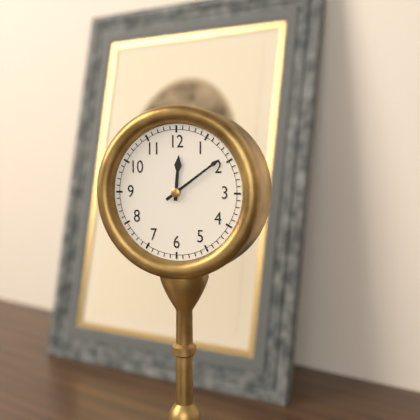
12:09
